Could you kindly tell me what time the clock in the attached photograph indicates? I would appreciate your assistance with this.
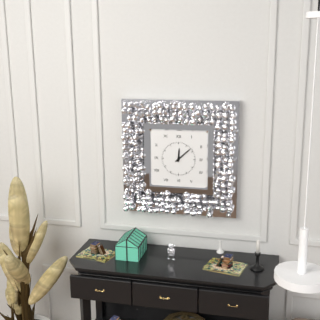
12:08
